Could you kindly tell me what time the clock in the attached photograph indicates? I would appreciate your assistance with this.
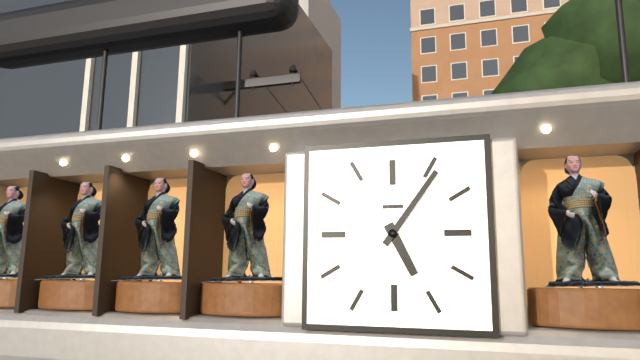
5:06
